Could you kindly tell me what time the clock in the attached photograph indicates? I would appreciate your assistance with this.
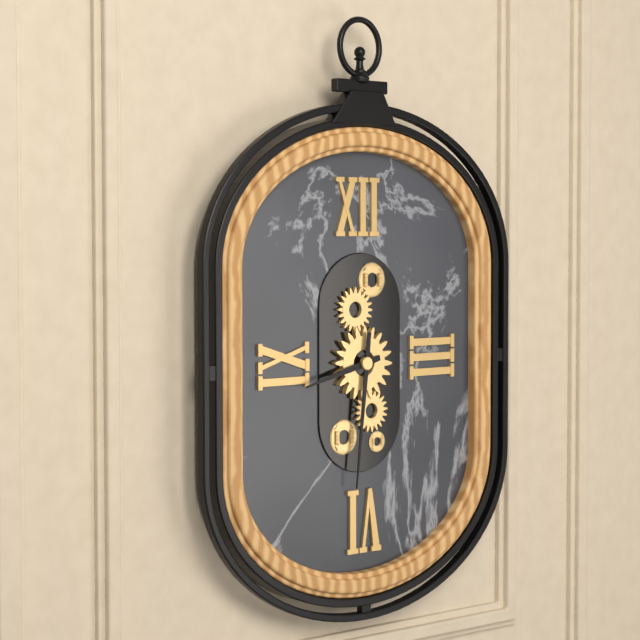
8:31
